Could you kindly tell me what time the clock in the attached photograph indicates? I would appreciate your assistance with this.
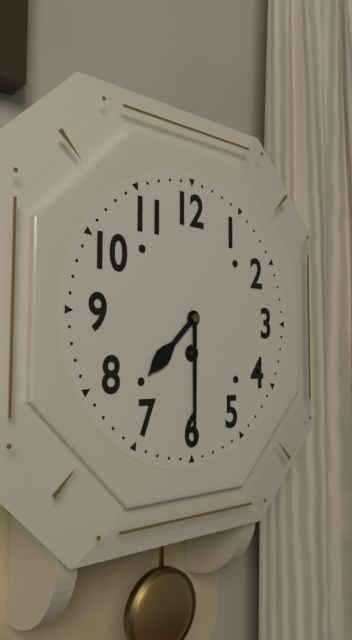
7:30
